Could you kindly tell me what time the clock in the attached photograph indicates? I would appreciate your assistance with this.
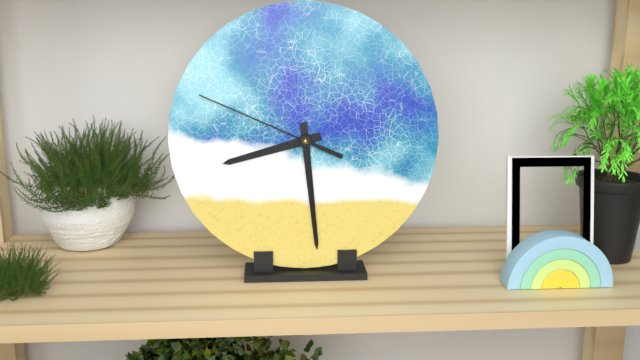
8:29:49
